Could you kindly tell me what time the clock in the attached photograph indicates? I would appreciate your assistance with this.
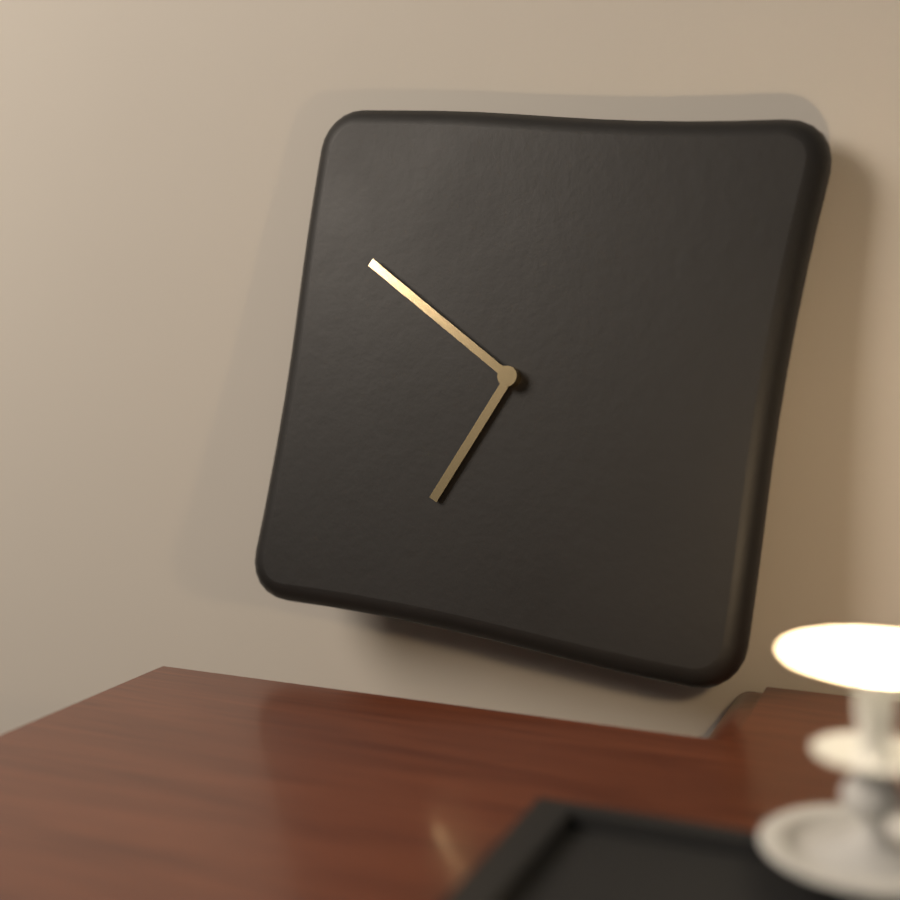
6:50
